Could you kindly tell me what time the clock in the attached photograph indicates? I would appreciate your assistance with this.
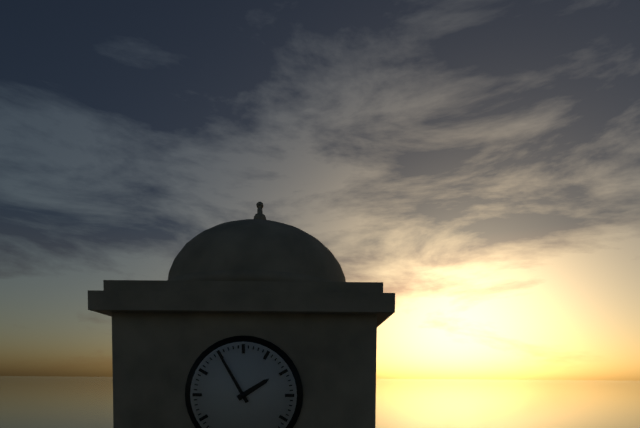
1:55
